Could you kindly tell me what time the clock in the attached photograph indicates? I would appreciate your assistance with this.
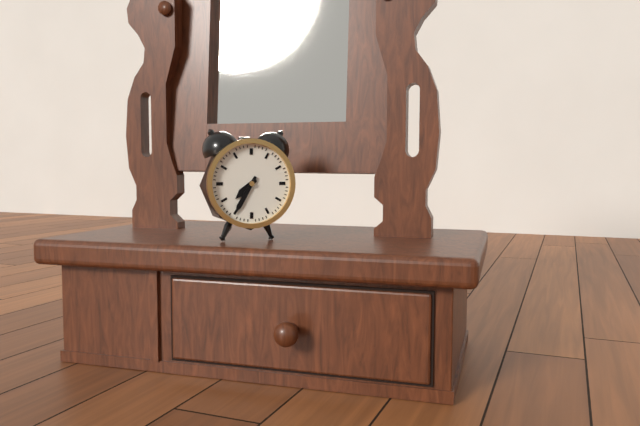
7:35
